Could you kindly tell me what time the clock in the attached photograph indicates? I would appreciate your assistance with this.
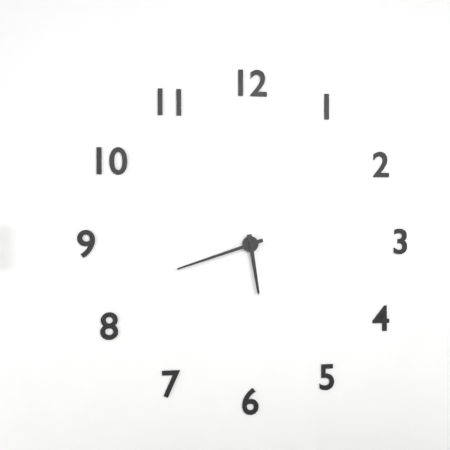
5:42
